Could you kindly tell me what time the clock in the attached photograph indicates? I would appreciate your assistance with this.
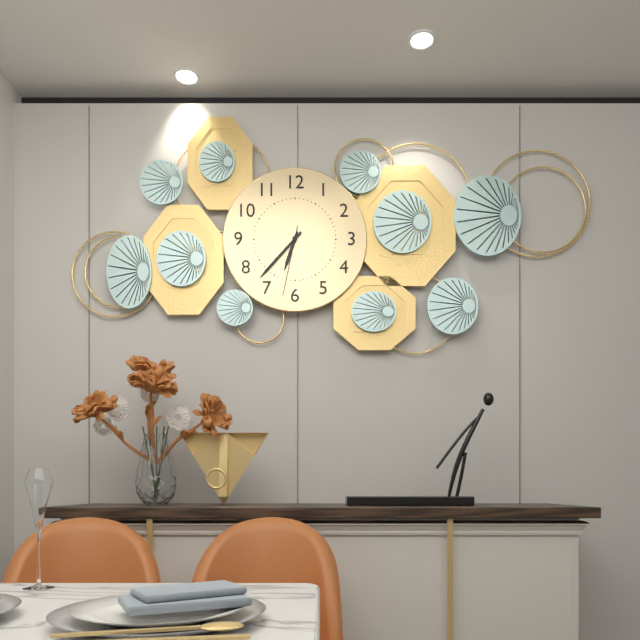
6:37:32
